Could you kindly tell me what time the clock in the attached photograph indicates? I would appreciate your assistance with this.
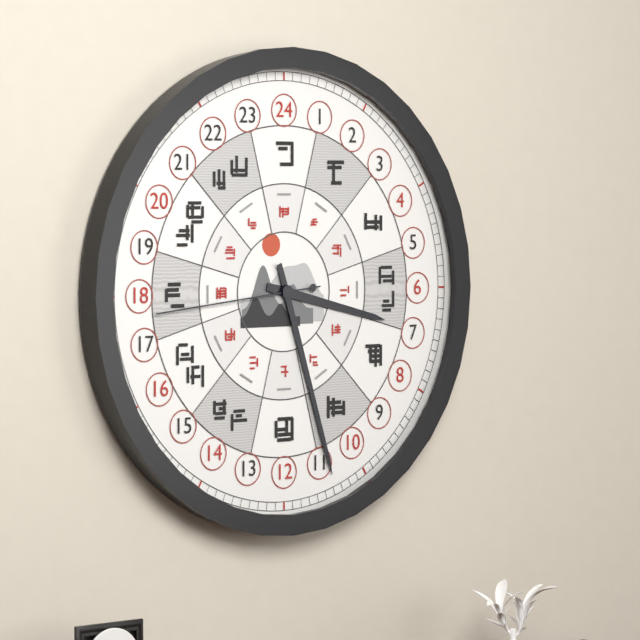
3:27:44
